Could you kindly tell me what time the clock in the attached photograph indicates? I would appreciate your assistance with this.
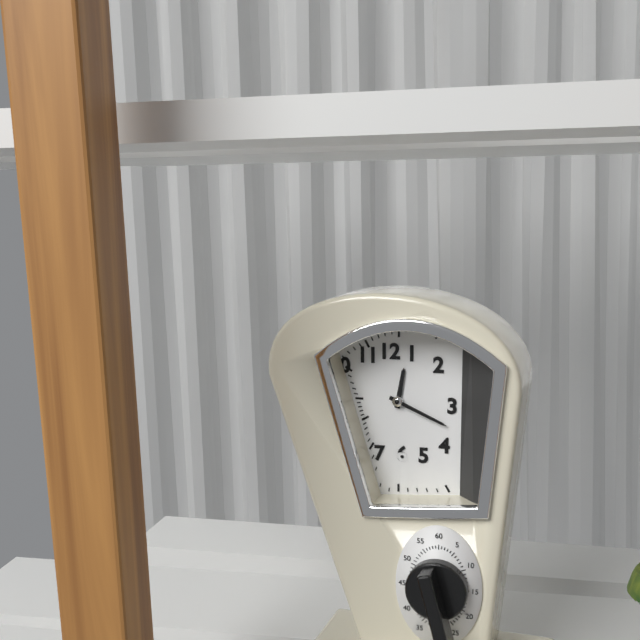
12:19
